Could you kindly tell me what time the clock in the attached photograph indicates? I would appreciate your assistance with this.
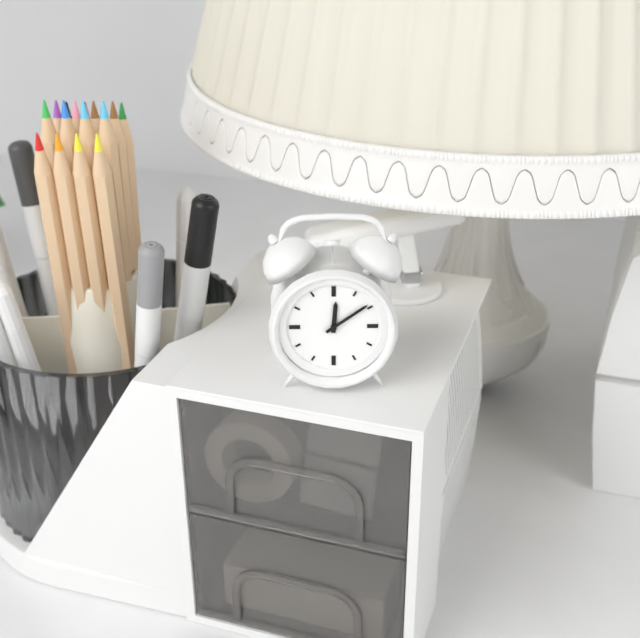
12:09
